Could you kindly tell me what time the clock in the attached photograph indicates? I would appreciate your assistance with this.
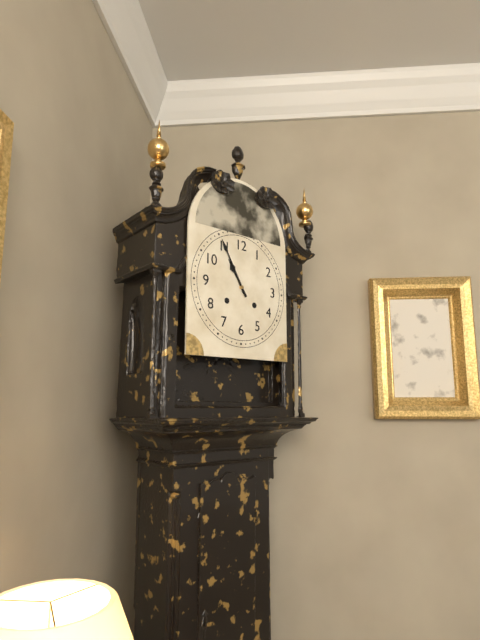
10:55
